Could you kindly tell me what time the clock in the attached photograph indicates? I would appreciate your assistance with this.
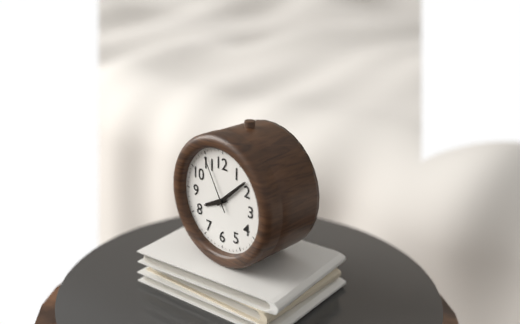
8:08:55
